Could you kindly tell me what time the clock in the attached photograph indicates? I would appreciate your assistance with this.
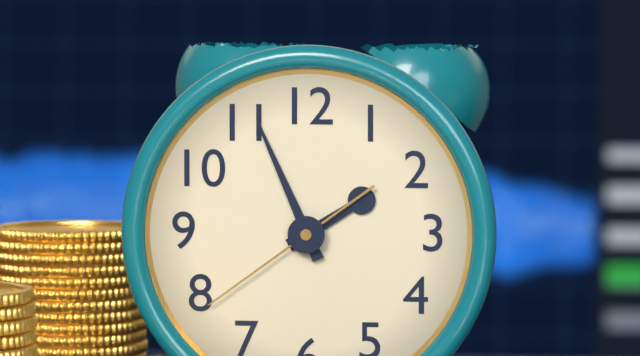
1:56:39
